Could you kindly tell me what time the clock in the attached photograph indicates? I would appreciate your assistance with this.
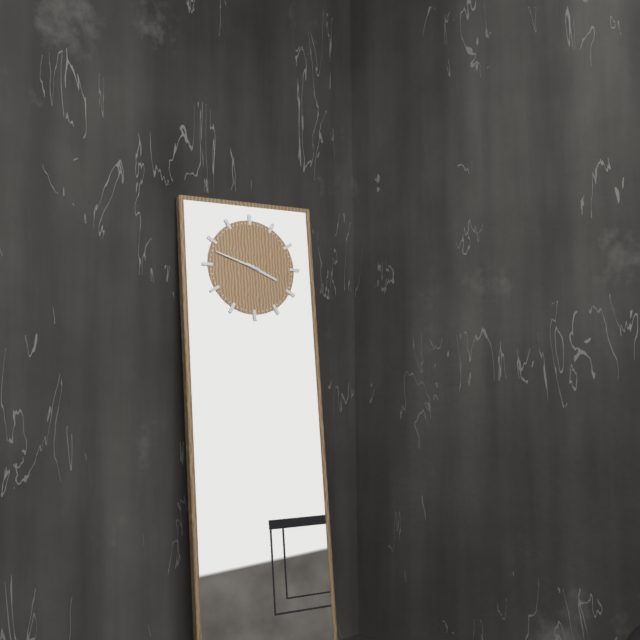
3:48
